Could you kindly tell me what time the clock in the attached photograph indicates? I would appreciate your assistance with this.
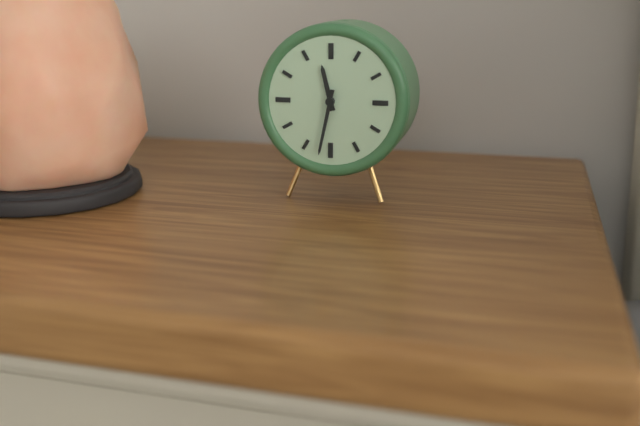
11:32
